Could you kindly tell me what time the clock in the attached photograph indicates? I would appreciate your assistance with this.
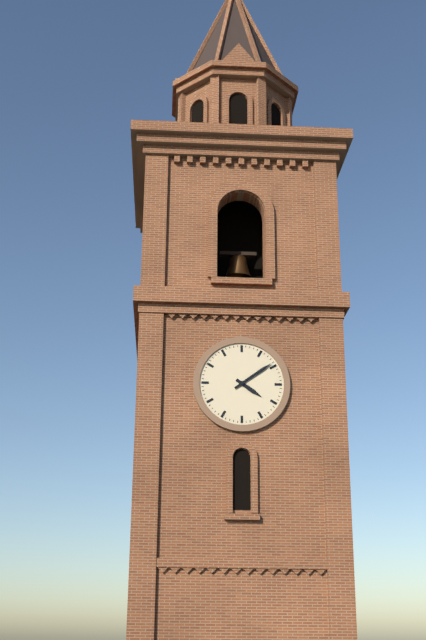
4:09
